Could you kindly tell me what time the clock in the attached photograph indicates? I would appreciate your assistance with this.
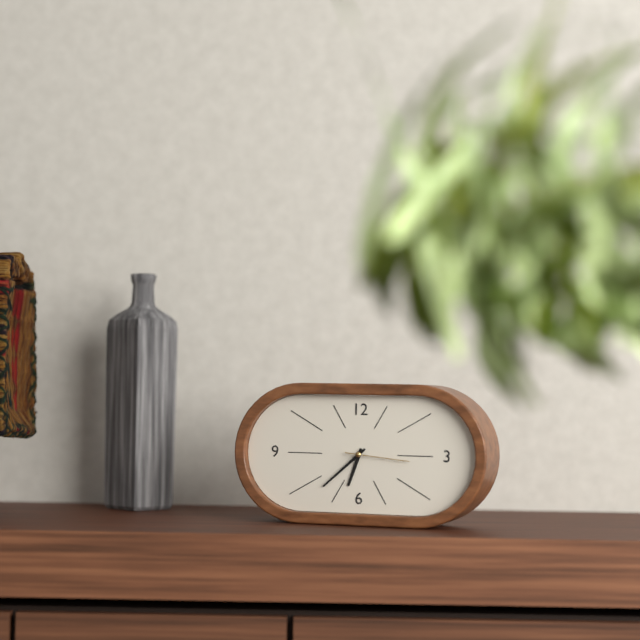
6:38:16
